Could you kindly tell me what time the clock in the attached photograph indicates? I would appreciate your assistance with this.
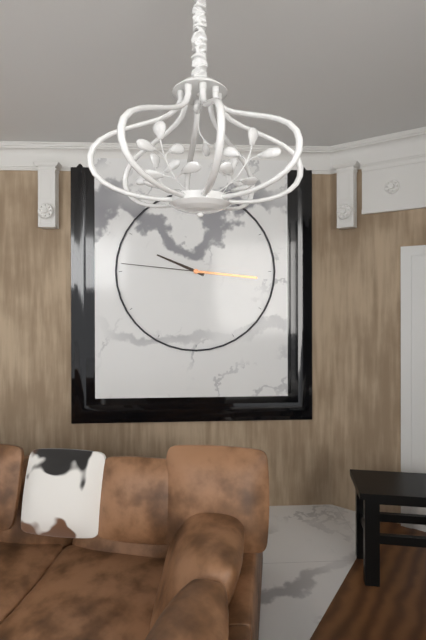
9:46
